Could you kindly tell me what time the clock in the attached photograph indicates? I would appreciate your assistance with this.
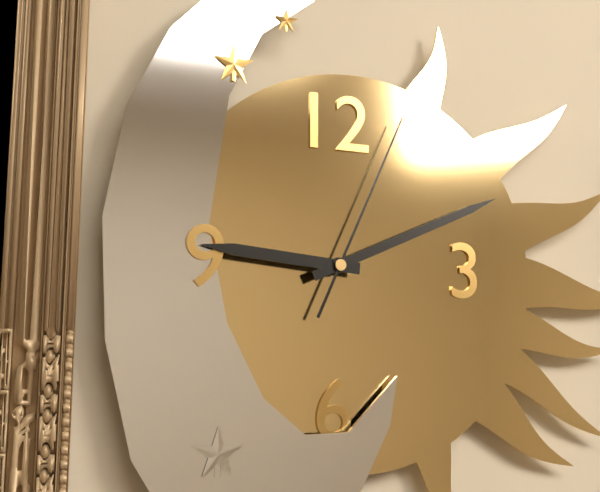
9:11:04
